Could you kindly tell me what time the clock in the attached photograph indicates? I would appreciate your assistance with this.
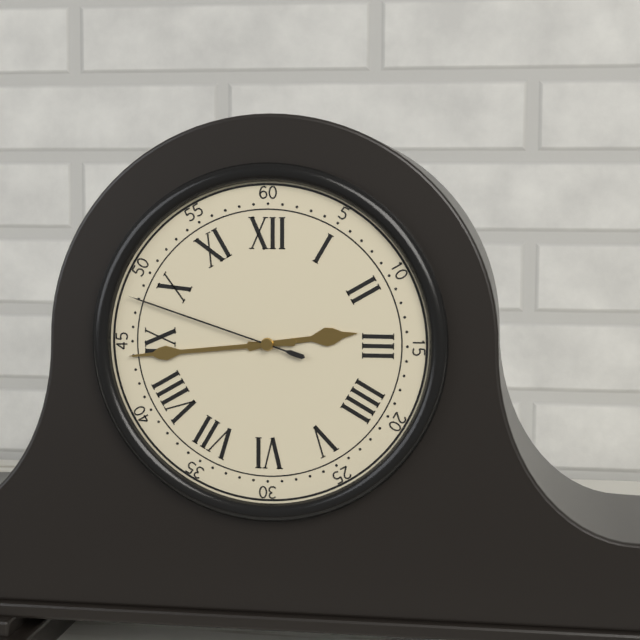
2:44:48
